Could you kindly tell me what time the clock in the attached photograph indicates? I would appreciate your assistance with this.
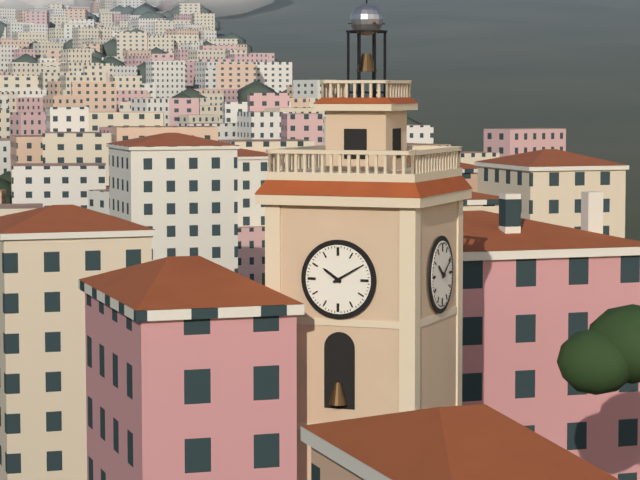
10:10
